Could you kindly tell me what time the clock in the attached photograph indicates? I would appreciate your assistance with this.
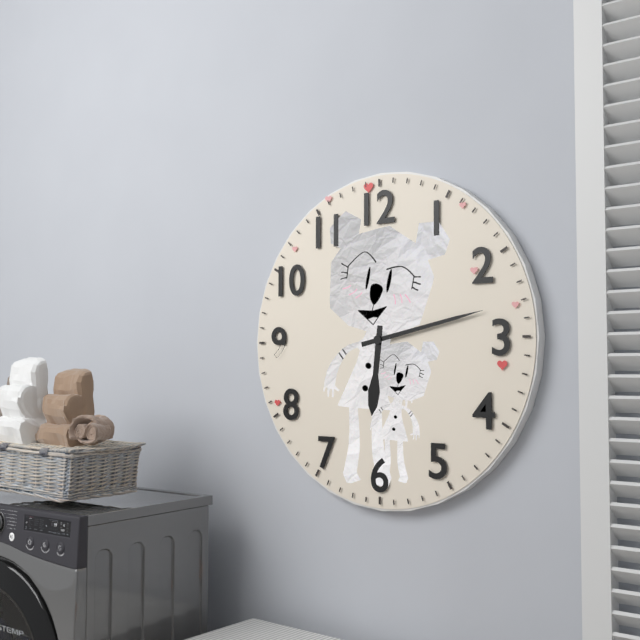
6:13
